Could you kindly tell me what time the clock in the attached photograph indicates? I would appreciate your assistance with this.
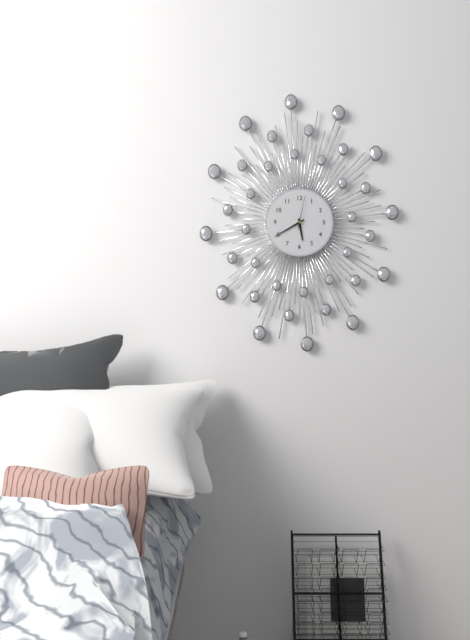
5:40
